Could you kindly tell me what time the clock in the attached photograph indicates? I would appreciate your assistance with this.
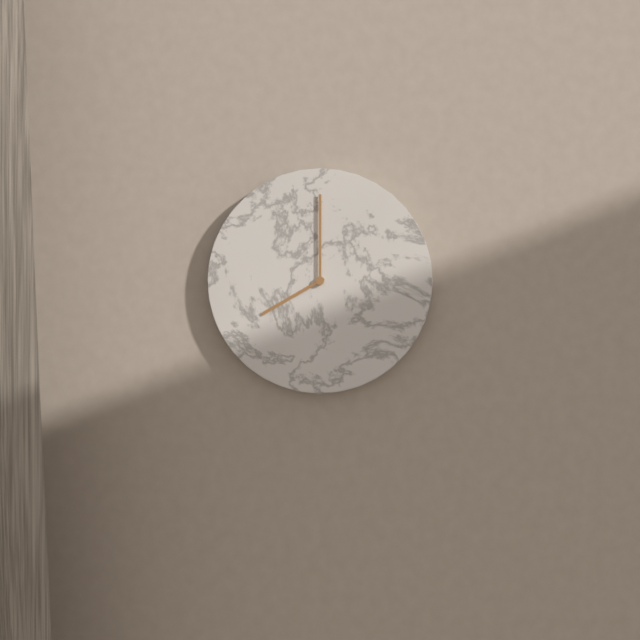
8:00
